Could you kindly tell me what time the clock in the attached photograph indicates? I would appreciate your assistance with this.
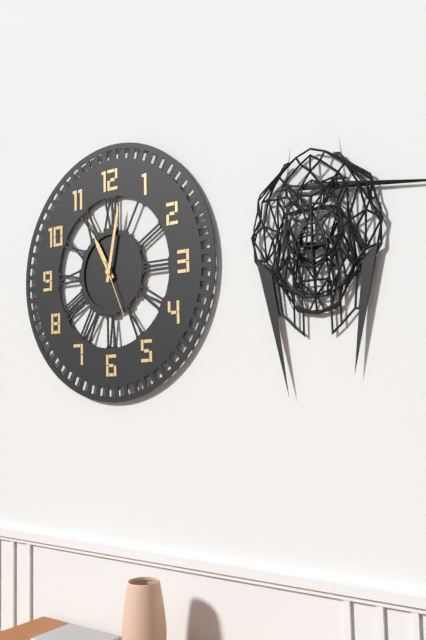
11:02:26
